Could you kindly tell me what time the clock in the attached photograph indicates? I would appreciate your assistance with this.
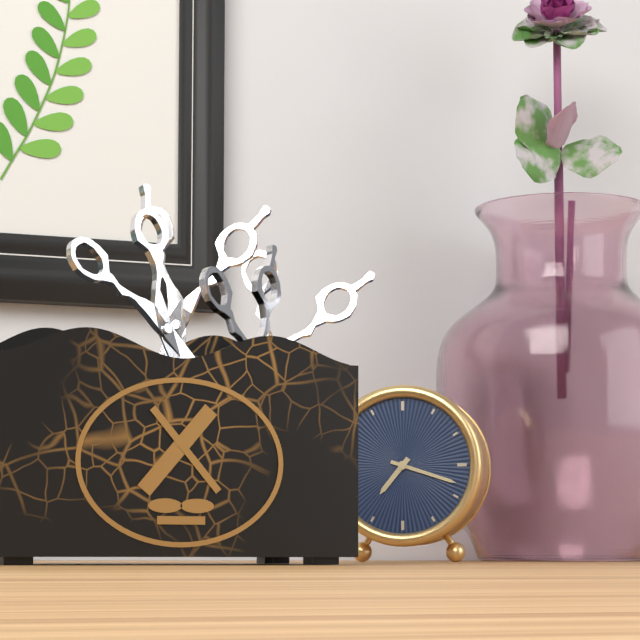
7:18
